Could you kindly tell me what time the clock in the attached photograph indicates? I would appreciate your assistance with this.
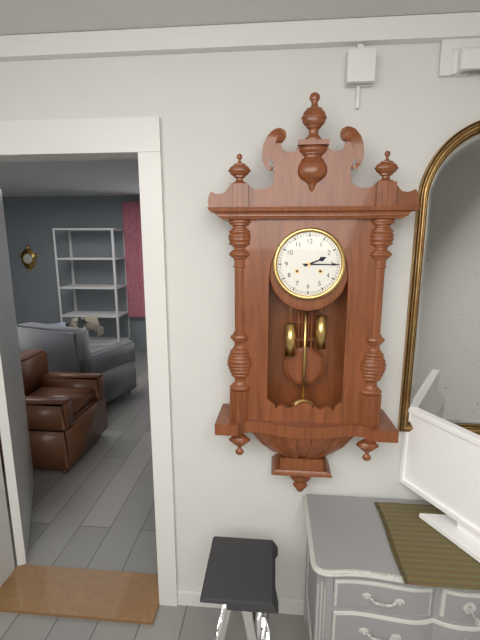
2:15
